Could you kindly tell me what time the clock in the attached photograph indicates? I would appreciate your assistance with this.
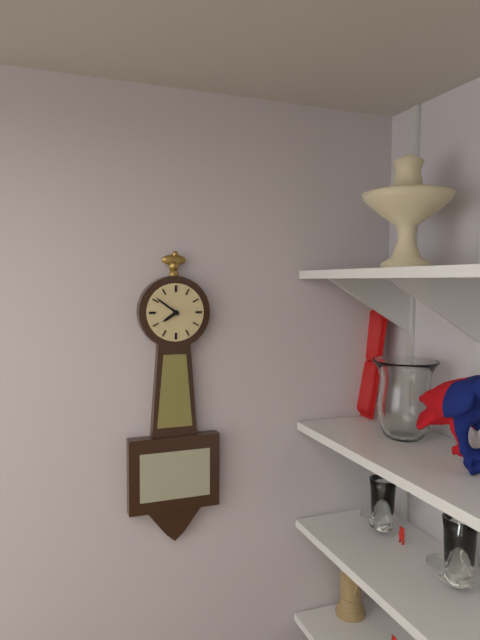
7:51
